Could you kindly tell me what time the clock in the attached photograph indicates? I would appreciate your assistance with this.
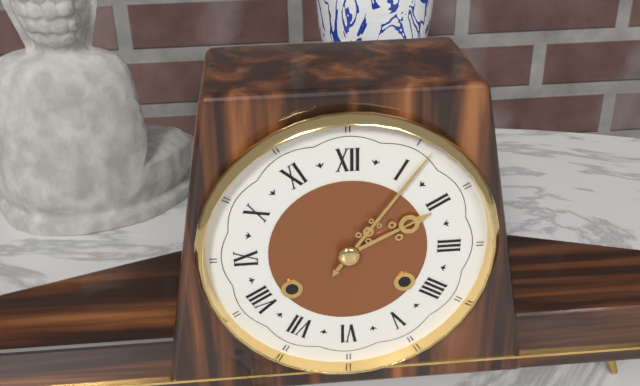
2:06
